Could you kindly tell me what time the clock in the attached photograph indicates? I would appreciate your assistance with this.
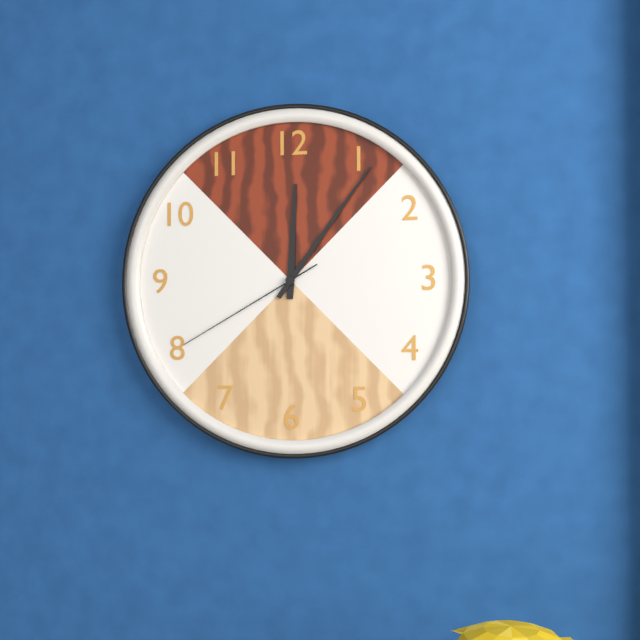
12:06:40
